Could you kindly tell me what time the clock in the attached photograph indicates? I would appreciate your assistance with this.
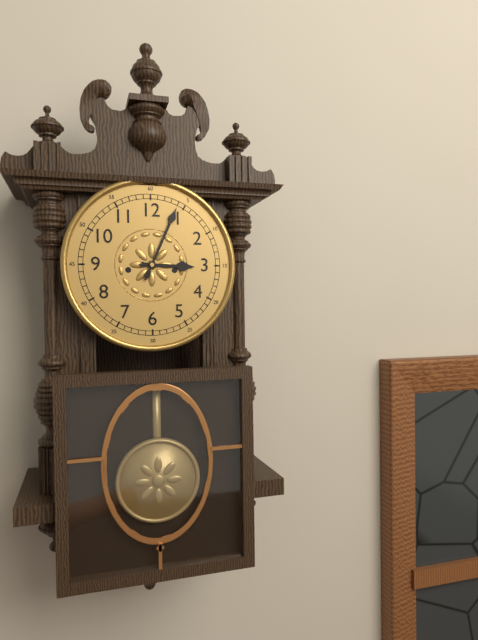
3:04
